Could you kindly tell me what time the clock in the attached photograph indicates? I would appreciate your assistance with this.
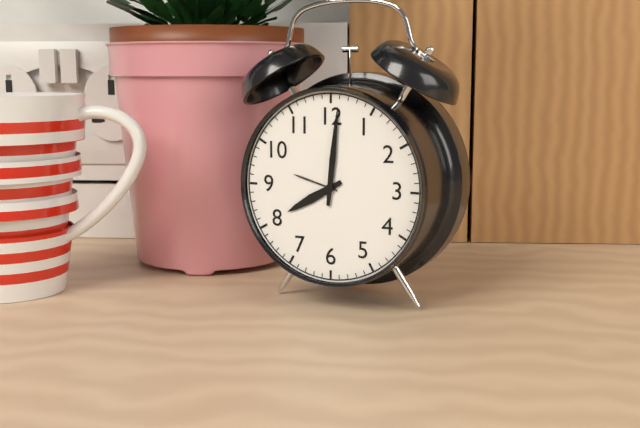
8:01
